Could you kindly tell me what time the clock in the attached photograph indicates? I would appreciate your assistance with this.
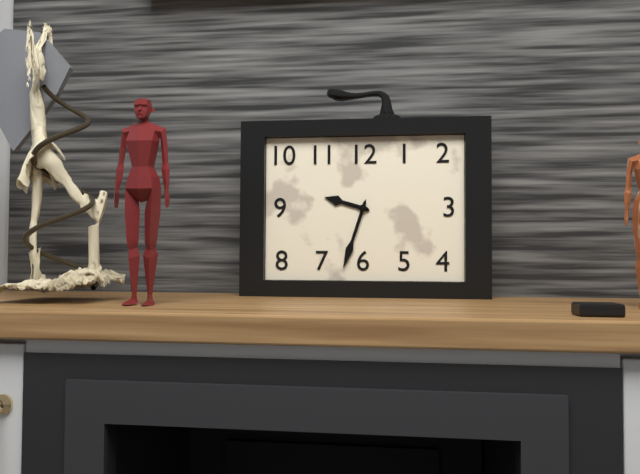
9:33
